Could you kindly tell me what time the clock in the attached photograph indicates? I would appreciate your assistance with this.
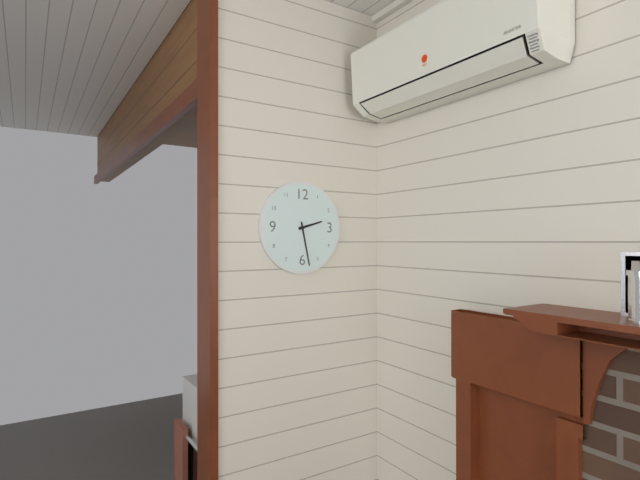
2:28
